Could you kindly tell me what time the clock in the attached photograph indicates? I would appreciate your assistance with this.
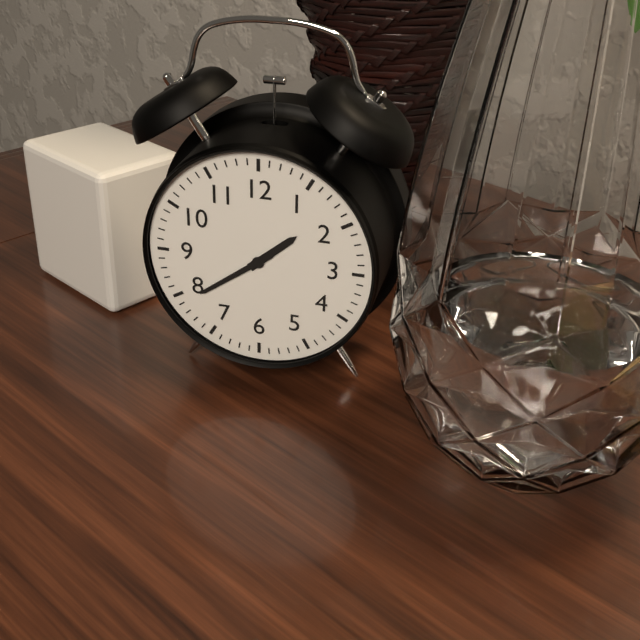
1:39
